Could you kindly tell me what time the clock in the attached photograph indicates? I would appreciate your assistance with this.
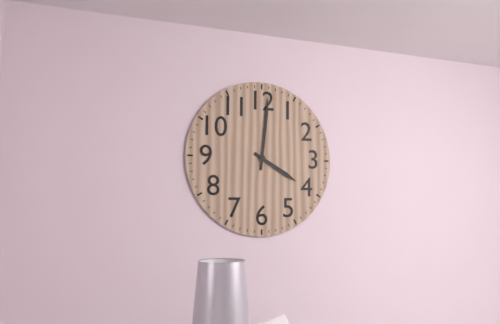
4:01
